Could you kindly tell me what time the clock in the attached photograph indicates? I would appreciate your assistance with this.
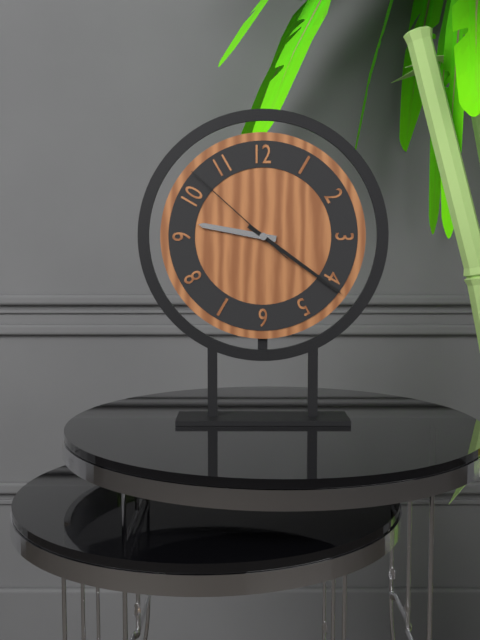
9:21:52
